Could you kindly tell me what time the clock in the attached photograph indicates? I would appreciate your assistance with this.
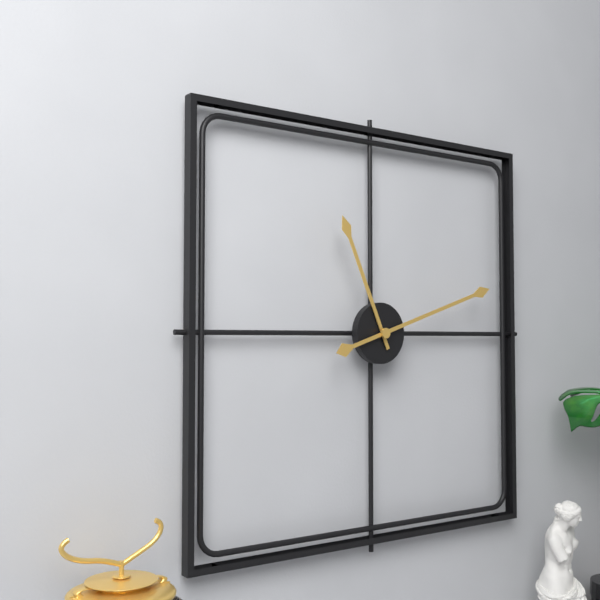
11:12
